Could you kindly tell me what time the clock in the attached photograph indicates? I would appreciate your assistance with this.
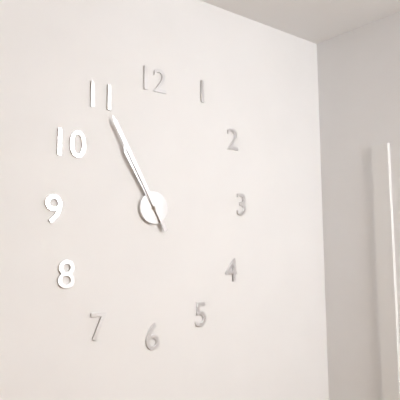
10:55
